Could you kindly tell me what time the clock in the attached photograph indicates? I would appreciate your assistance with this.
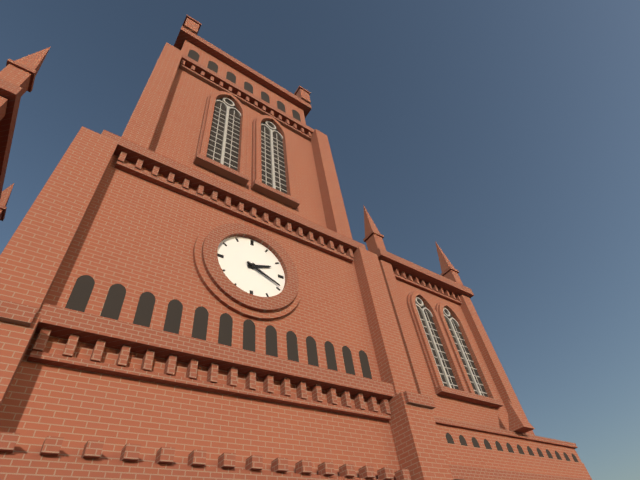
2:19
